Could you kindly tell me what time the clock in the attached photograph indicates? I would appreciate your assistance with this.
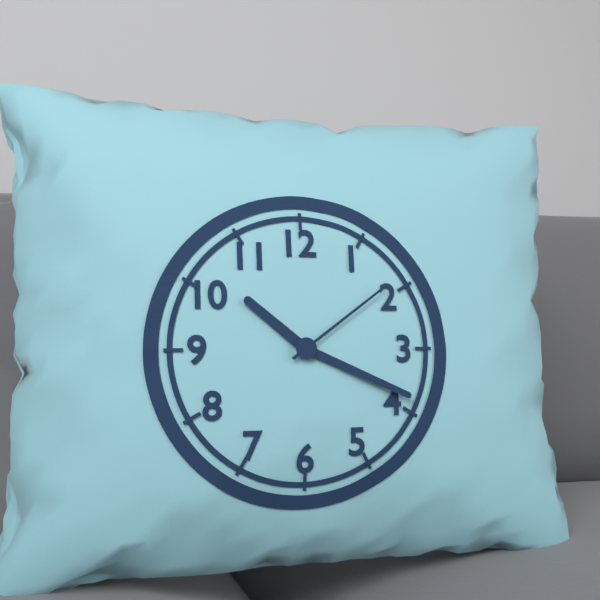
10:19:09
